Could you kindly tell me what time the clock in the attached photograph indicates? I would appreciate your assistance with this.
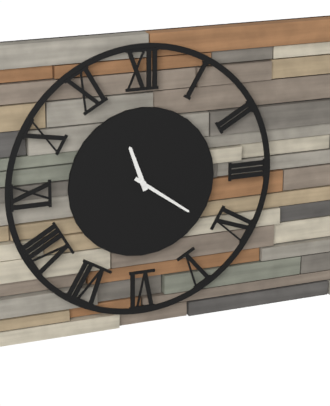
11:21
